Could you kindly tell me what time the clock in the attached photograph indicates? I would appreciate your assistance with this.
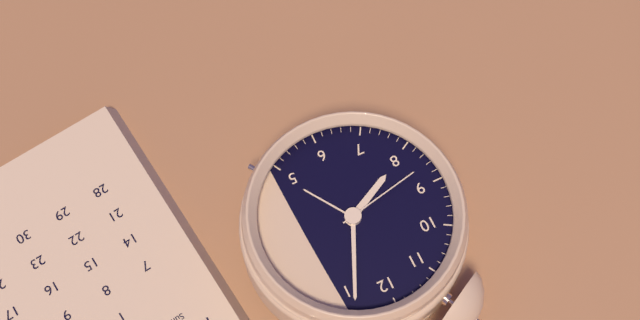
8:04:43
